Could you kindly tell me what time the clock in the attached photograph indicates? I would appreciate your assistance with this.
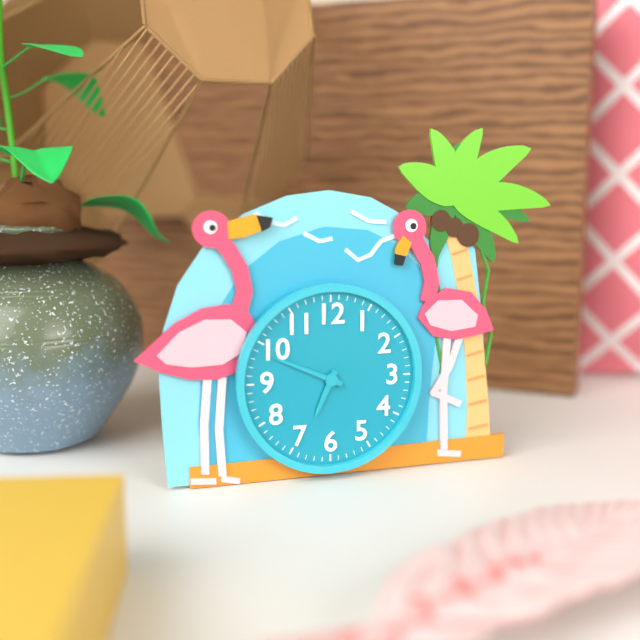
6:49
